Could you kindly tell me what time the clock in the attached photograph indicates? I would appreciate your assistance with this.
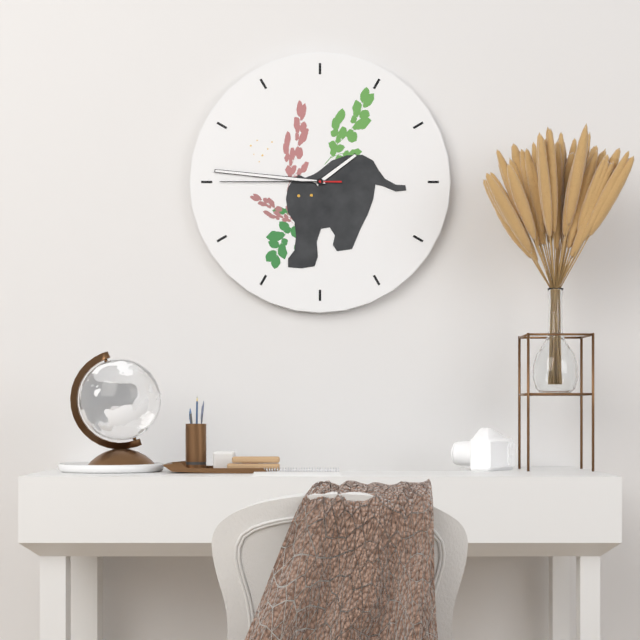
1:46:45
